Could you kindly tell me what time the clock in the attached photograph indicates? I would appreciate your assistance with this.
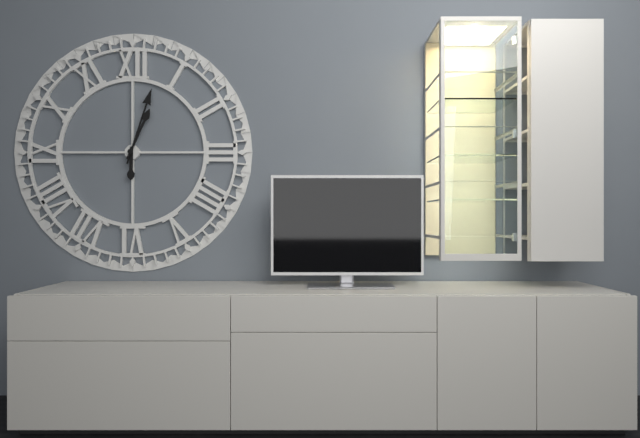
6:03:04
